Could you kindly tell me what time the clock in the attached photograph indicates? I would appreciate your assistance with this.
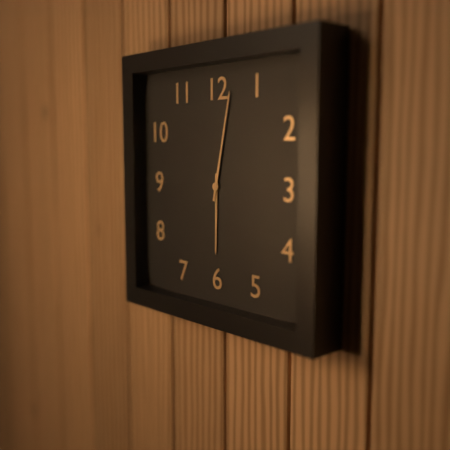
6:02
